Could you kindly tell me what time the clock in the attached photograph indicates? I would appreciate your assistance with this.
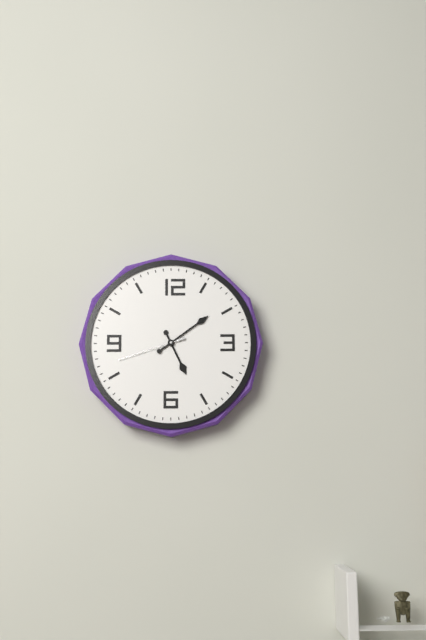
5:09:42
